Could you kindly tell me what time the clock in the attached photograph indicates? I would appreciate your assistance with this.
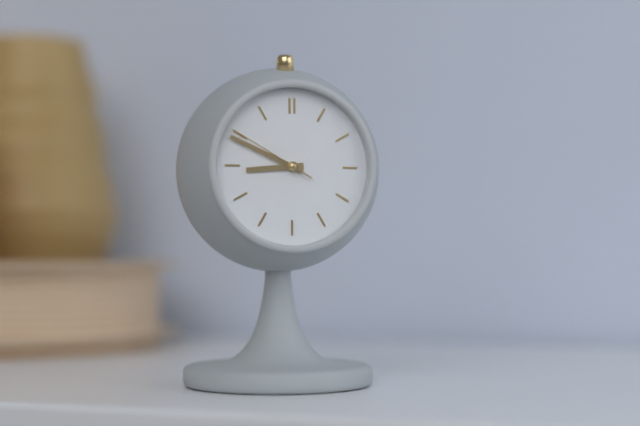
8:49:50
